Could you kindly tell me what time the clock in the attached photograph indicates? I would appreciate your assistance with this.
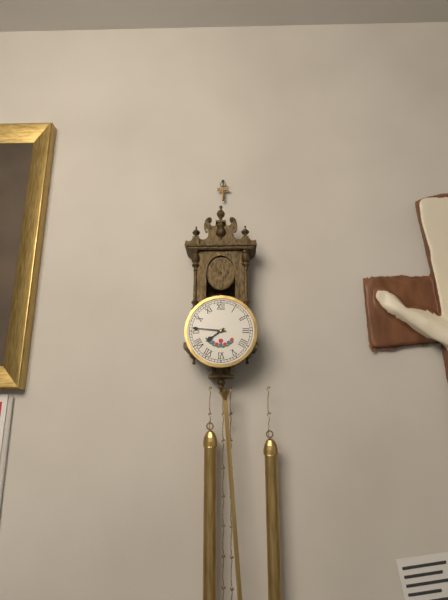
7:46
